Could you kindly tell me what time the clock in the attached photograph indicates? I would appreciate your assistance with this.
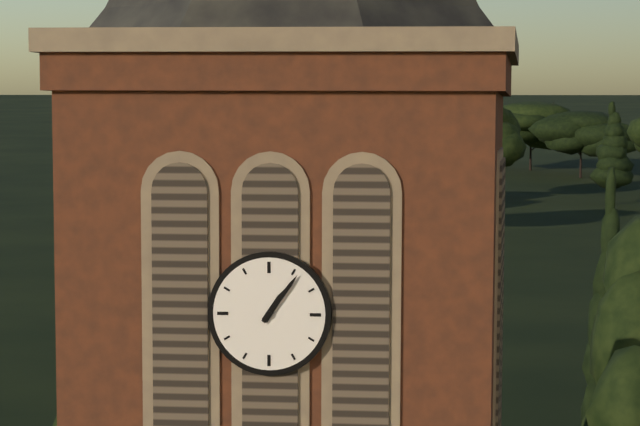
1:06
